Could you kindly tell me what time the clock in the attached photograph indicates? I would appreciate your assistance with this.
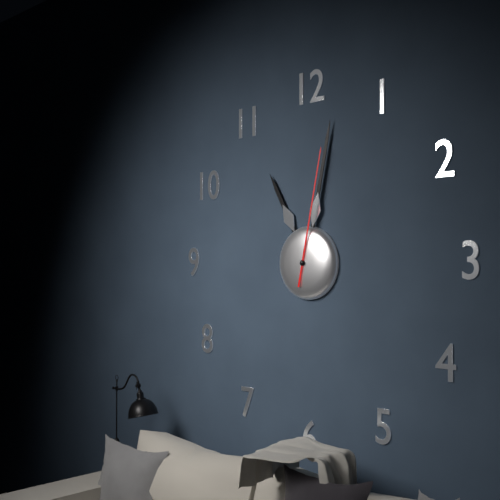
11:02:02
